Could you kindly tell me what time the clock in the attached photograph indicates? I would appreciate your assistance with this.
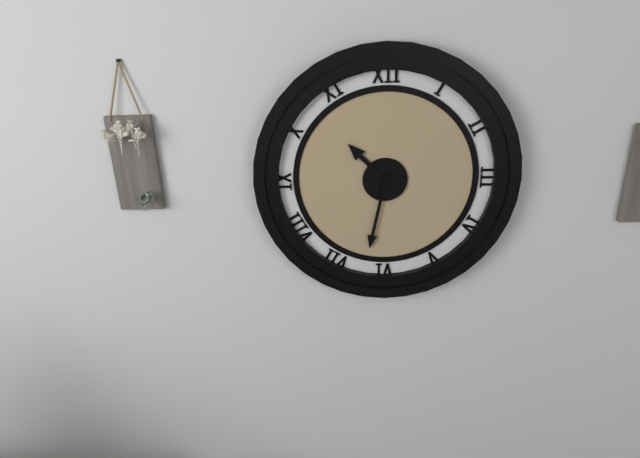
10:32
